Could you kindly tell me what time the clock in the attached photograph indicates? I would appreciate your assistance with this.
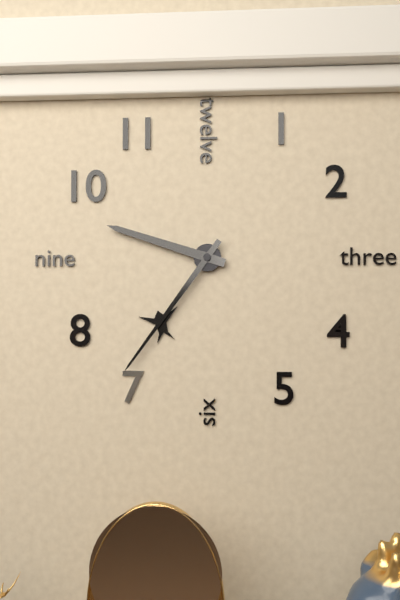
9:36
